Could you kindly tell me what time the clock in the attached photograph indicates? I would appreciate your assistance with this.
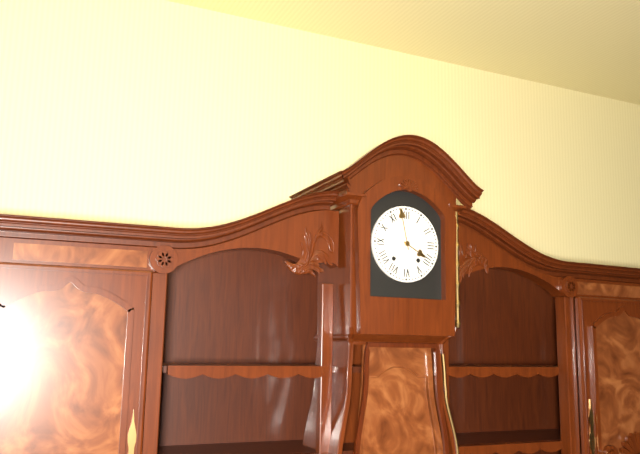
3:58
